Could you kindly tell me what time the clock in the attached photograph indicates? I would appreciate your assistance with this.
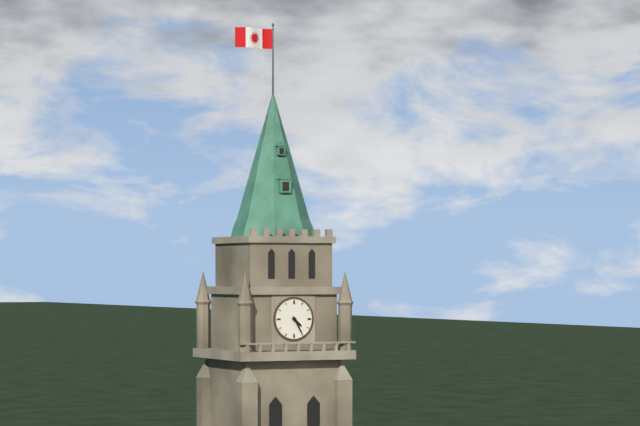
4:25
